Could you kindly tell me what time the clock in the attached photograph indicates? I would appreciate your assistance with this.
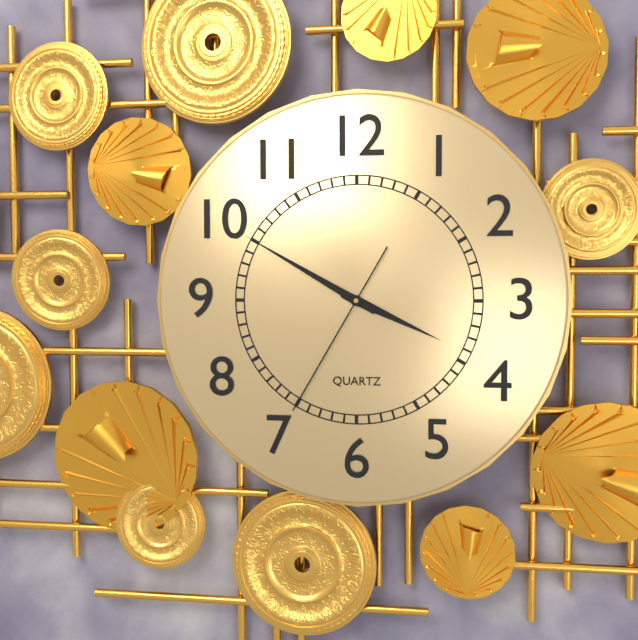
3:50:35
